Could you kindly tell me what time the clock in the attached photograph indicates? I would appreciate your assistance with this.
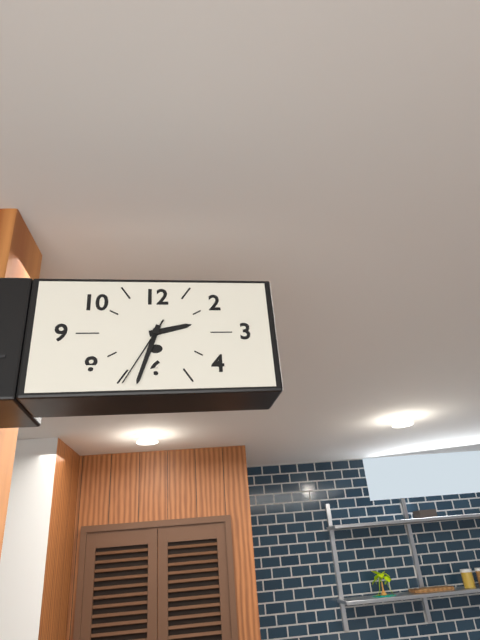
2:33:35
